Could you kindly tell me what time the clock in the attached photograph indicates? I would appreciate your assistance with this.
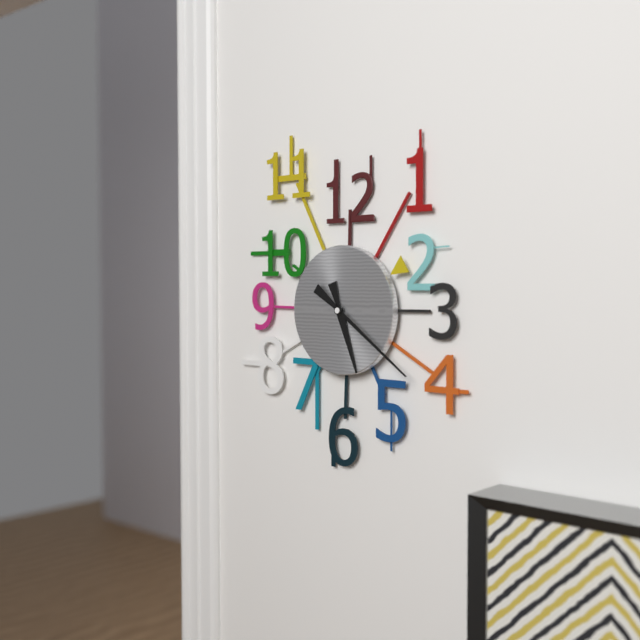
5:21
